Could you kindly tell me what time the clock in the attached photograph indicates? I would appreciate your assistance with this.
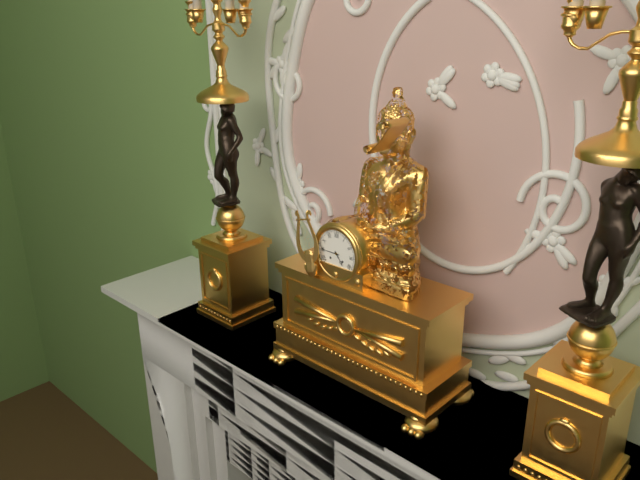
4:45
